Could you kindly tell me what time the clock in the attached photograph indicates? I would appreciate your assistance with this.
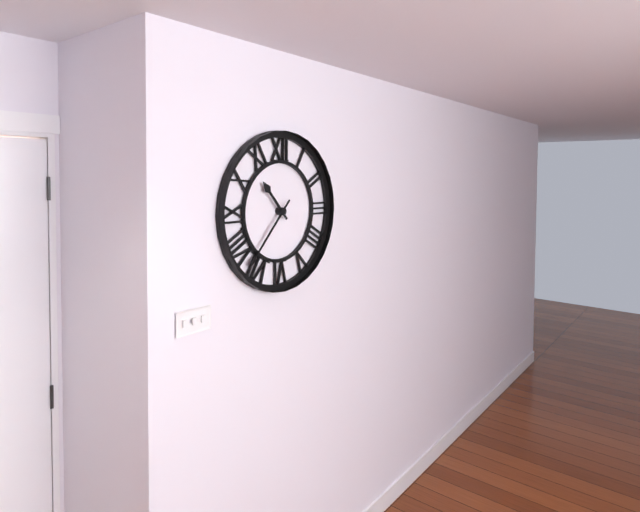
10:37
